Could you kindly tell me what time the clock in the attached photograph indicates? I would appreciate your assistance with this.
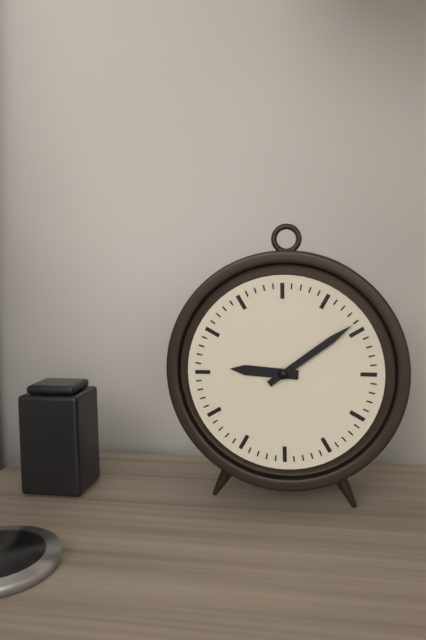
9:09
